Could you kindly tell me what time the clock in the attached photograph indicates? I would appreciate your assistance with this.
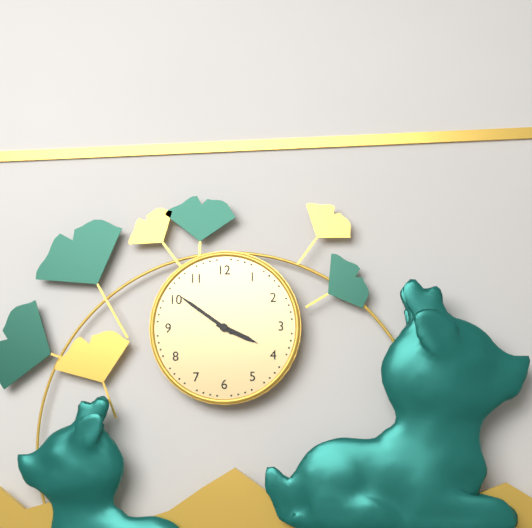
3:51
